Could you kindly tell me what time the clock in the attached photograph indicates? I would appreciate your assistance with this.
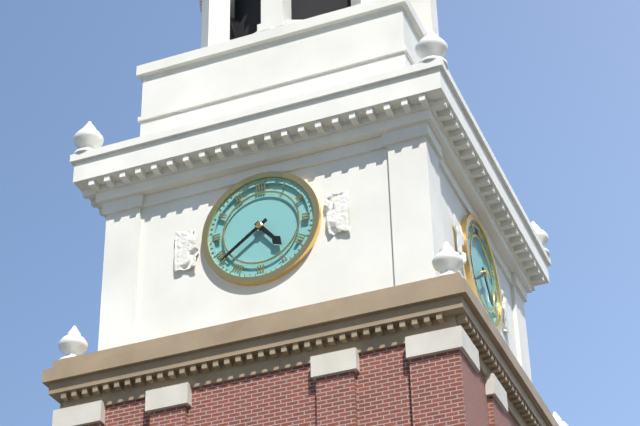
4:39
